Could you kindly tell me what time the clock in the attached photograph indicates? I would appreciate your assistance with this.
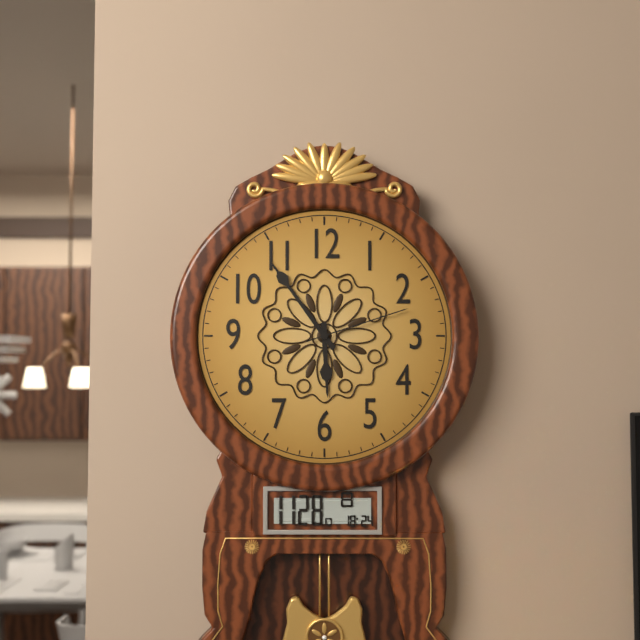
5:54:12
